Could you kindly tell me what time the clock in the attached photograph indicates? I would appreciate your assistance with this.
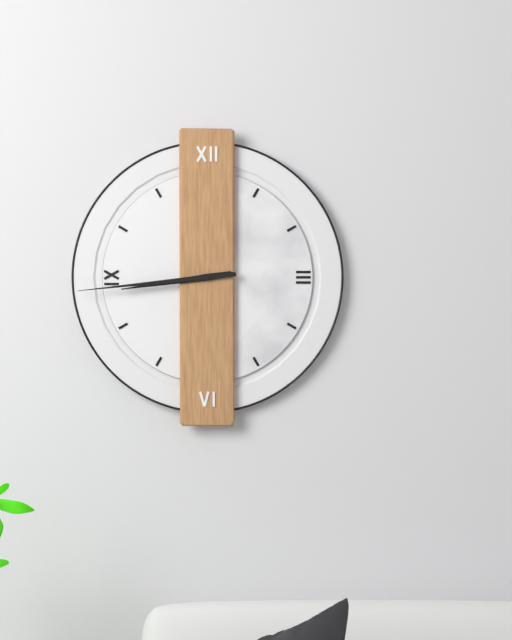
8:44
